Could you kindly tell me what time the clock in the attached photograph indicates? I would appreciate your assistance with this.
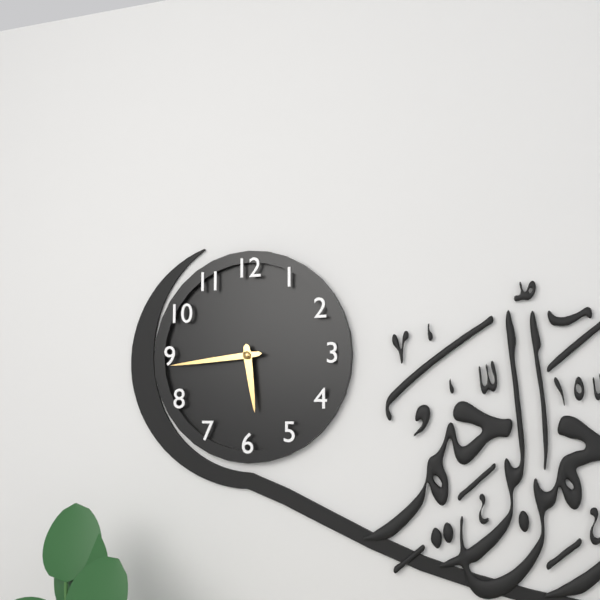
5:44
